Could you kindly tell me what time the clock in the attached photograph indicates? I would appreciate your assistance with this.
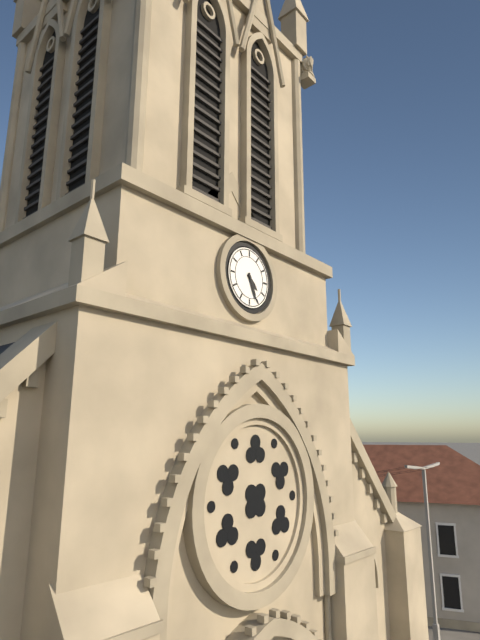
4:26
